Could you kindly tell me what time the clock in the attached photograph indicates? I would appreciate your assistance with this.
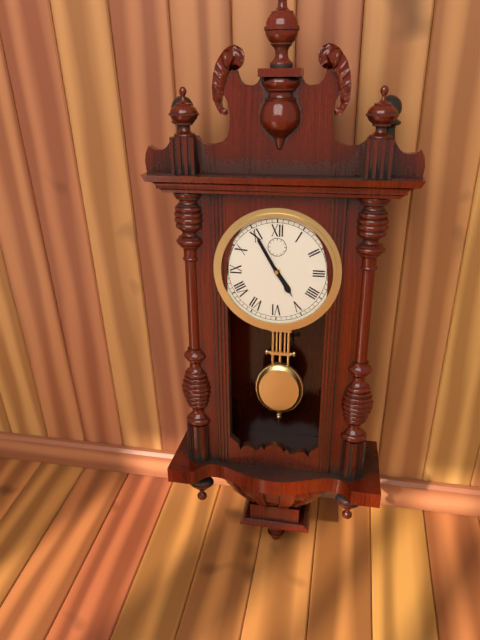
4:55
